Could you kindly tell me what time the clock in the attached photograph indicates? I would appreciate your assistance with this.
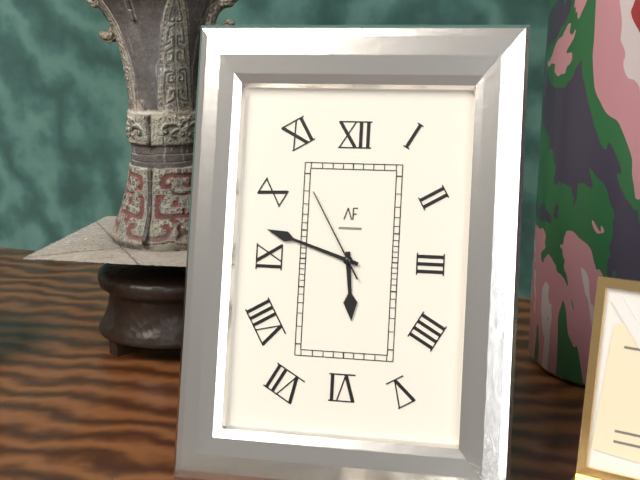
5:48:55
